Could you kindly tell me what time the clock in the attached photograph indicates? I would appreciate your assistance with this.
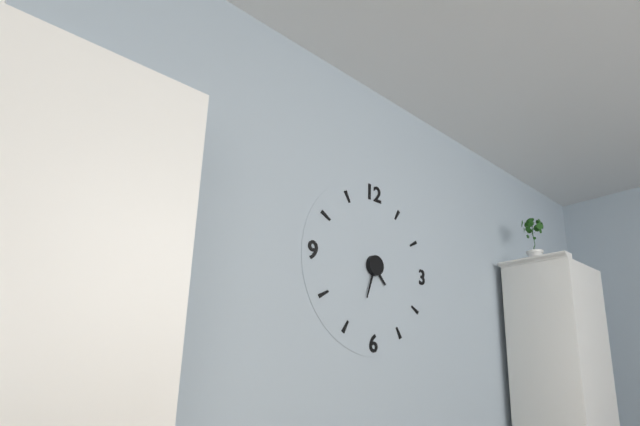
4:33
